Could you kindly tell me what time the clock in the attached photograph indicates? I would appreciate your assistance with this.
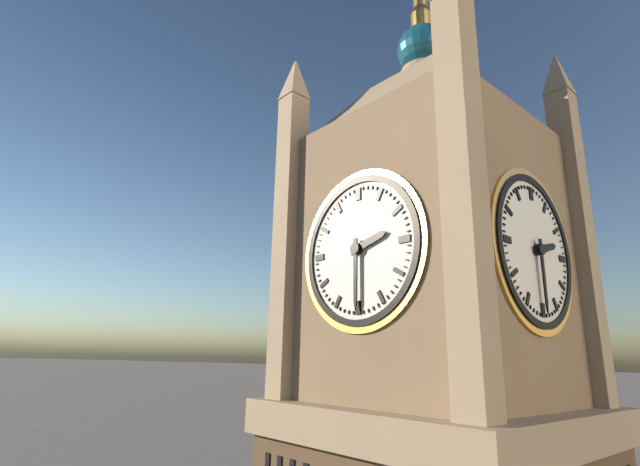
2:30
